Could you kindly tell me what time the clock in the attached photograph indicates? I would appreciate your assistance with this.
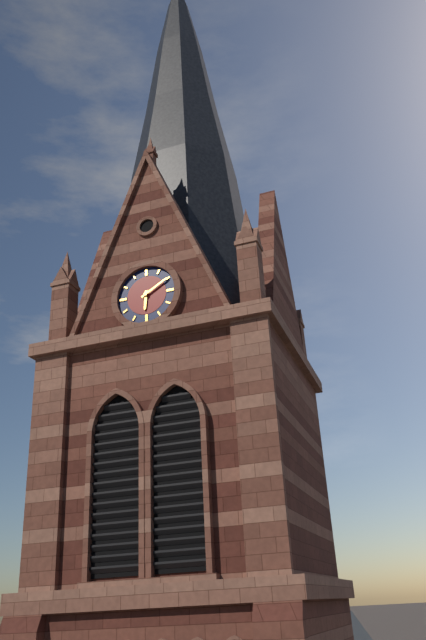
6:10
